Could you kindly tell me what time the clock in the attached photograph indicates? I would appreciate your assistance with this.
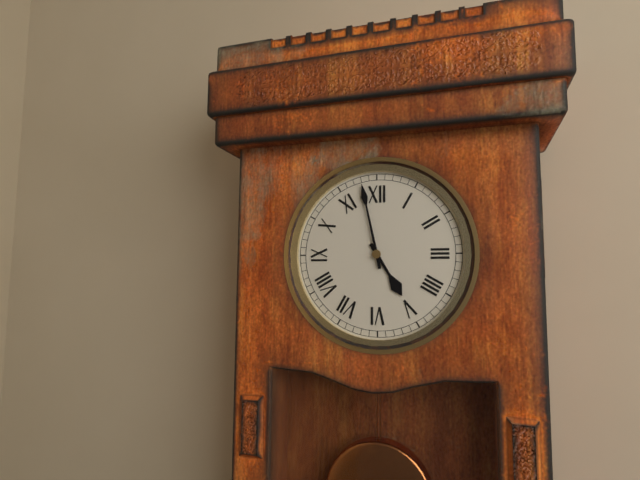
4:58
